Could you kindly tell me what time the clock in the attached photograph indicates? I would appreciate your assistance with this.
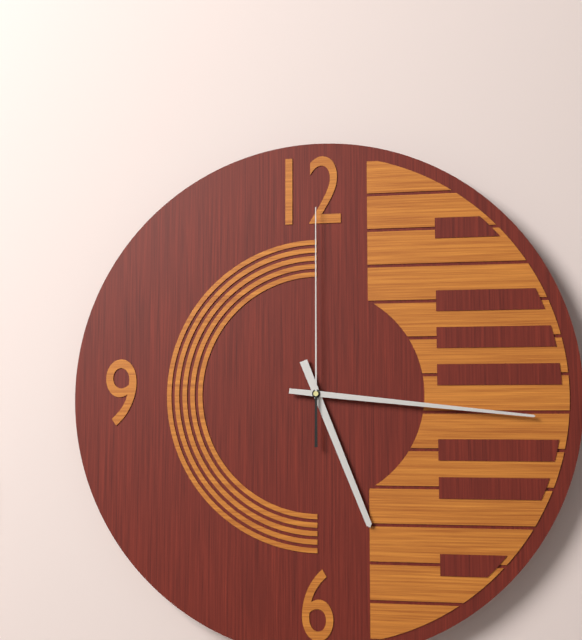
5:16:00
